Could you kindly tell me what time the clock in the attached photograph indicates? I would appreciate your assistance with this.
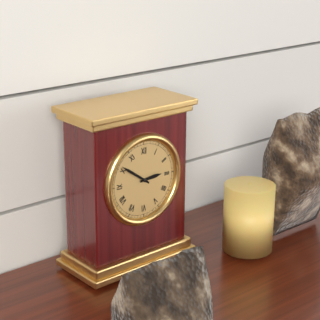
2:51
